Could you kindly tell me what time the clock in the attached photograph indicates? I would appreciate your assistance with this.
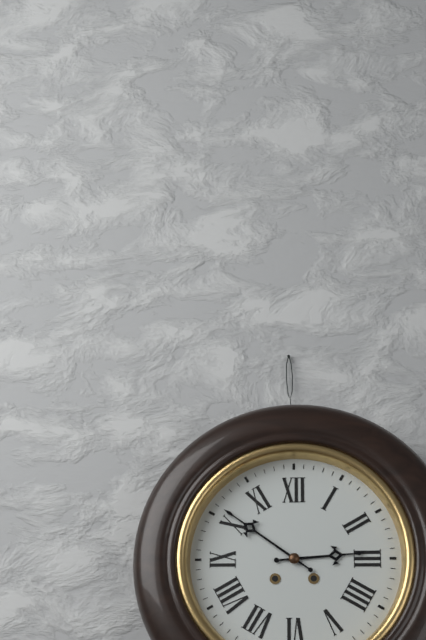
2:51
